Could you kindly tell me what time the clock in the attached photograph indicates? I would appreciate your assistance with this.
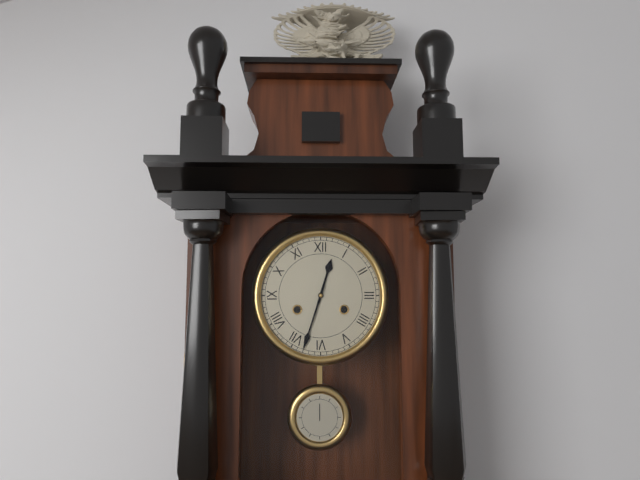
12:33
